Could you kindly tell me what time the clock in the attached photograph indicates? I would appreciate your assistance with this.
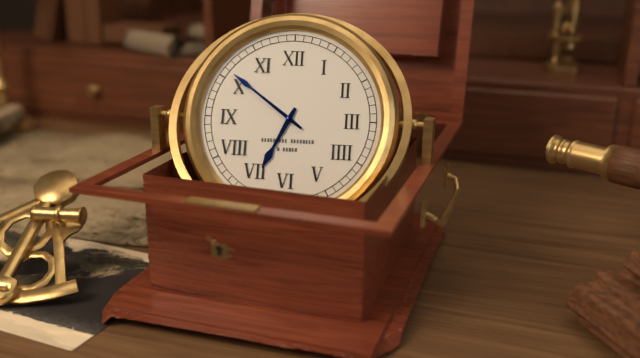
6:51
